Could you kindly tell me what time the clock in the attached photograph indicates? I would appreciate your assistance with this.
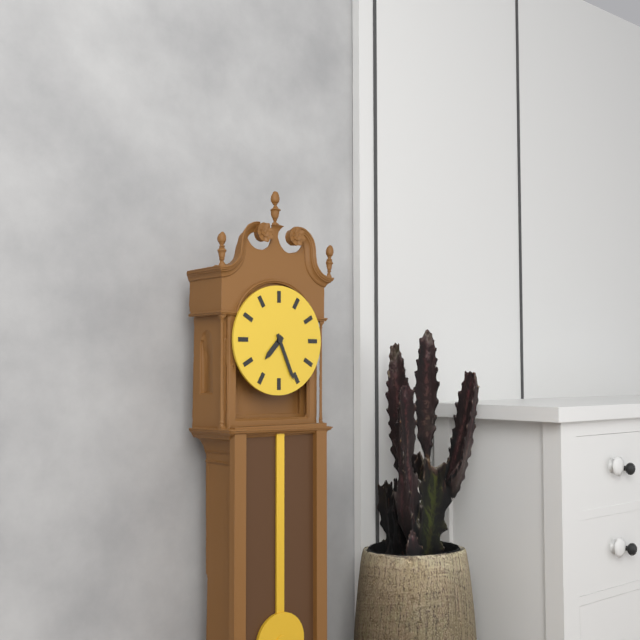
7:26
